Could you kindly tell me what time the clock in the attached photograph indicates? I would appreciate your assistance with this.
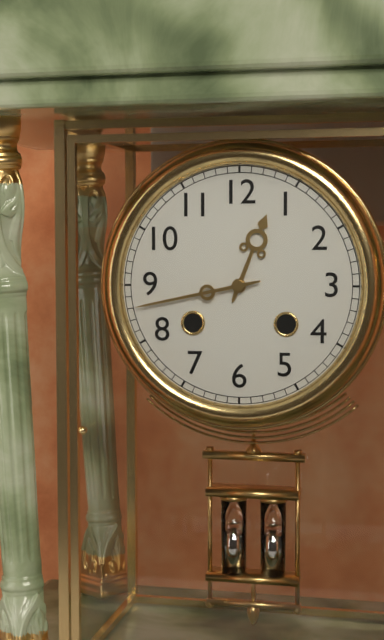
12:43
